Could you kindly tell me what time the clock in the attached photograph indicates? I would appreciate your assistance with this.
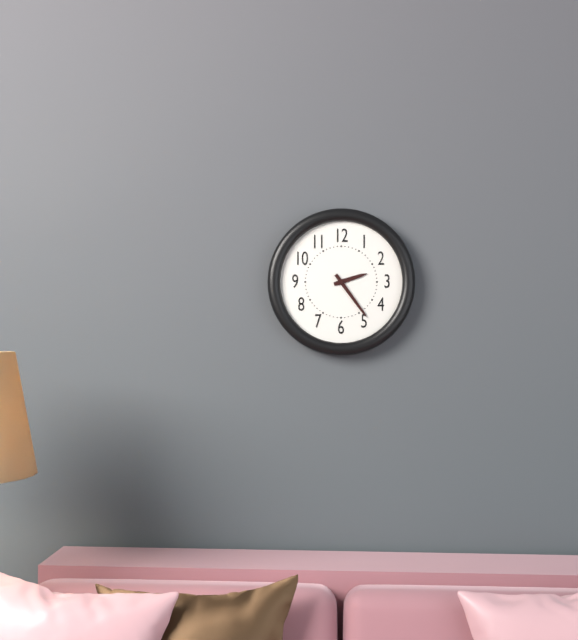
2:24
